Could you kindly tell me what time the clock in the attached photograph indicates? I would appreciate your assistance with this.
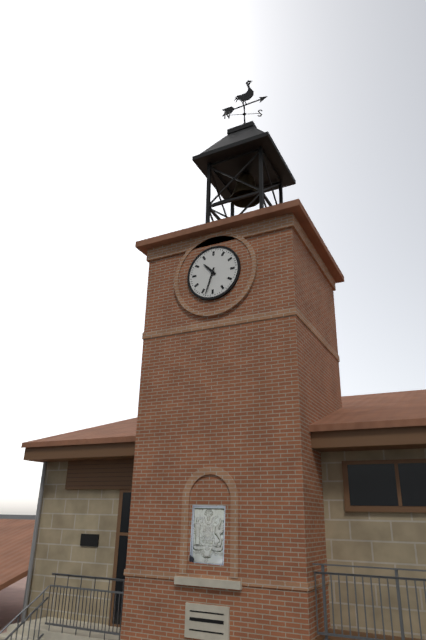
10:33
